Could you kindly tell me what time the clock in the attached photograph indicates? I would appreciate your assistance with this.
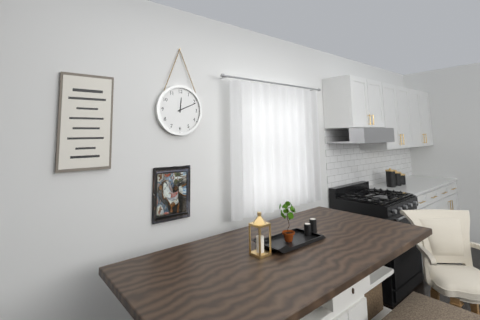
12:11
